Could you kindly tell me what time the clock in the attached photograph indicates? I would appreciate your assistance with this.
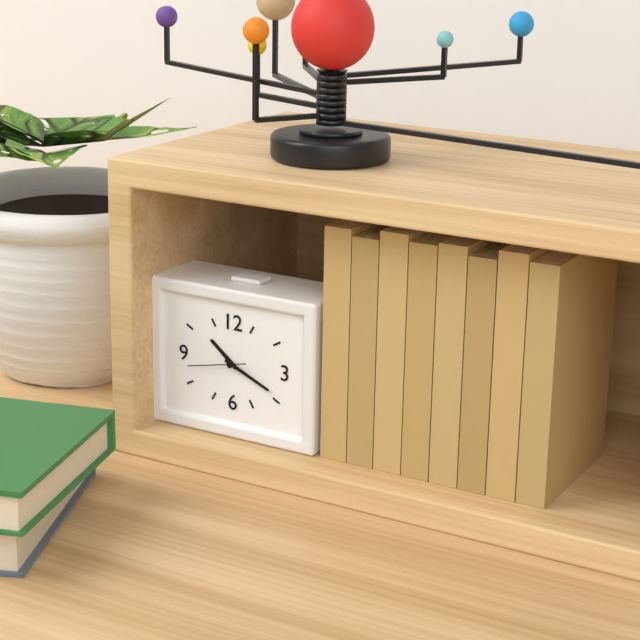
10:19:43
